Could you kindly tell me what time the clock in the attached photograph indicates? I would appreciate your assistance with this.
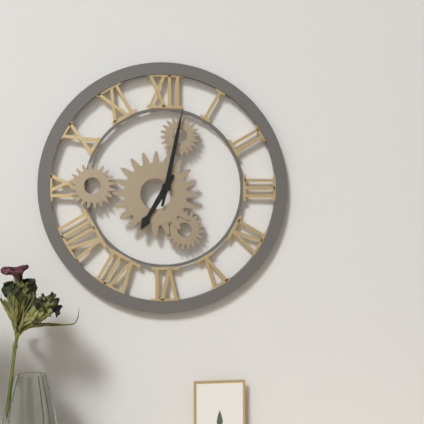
7:02
